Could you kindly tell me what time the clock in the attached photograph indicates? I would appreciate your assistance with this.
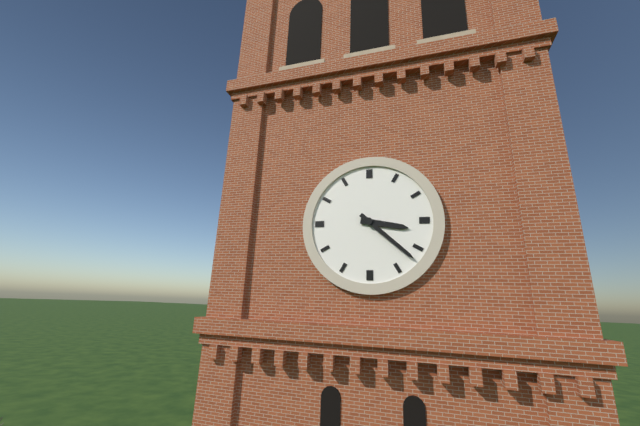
3:22
